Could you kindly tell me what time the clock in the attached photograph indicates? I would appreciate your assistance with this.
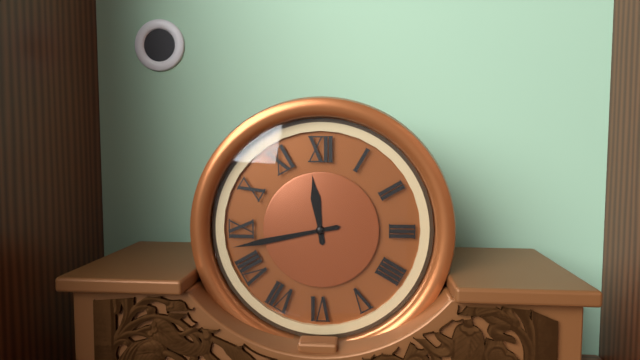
11:43
